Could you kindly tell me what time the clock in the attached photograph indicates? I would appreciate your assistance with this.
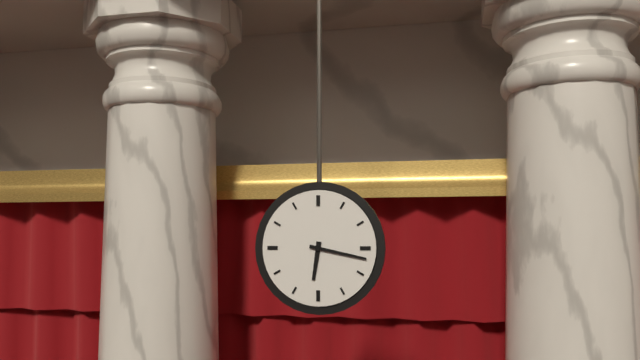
6:17
